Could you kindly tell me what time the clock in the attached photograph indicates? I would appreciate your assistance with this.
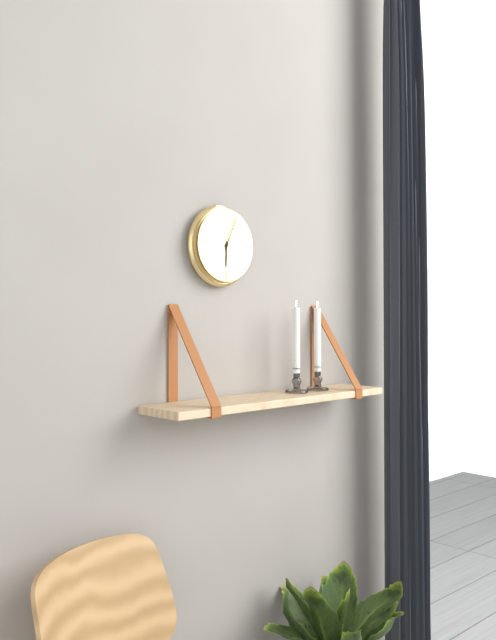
6:04
